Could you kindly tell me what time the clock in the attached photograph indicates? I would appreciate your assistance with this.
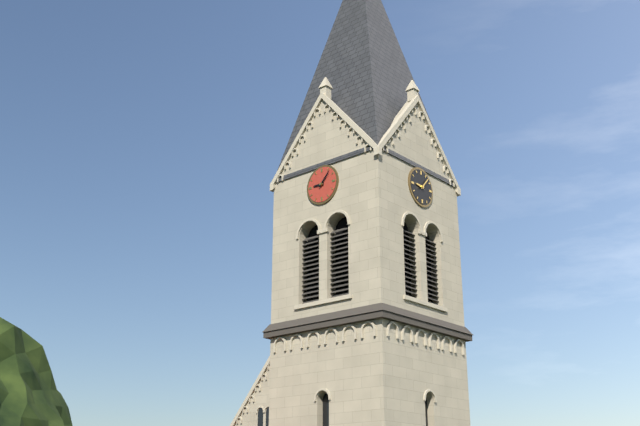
9:07
